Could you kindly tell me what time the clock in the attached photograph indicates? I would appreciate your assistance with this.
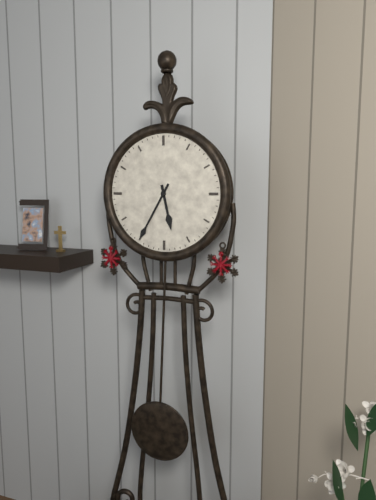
5:35
